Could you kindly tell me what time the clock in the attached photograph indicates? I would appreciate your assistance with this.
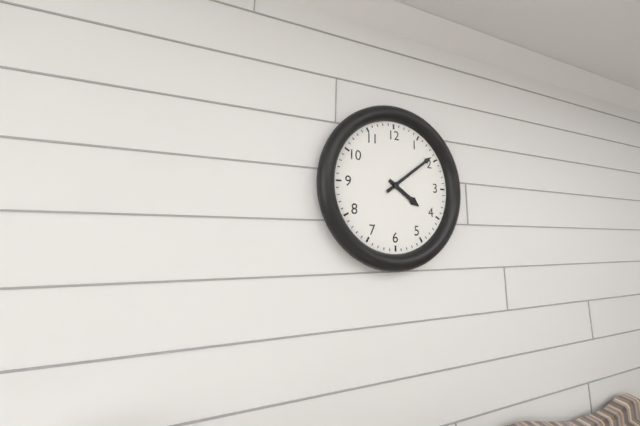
4:09
